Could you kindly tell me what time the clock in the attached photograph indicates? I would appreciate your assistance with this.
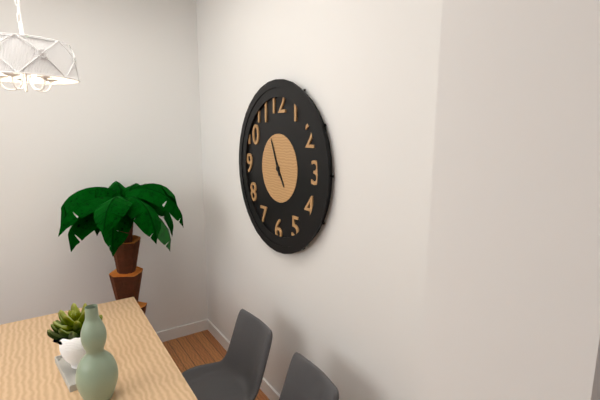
4:56
